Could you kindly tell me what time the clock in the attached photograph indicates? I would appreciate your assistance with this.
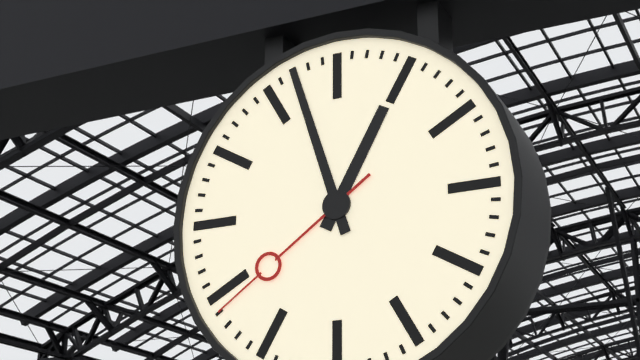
12:57:39
